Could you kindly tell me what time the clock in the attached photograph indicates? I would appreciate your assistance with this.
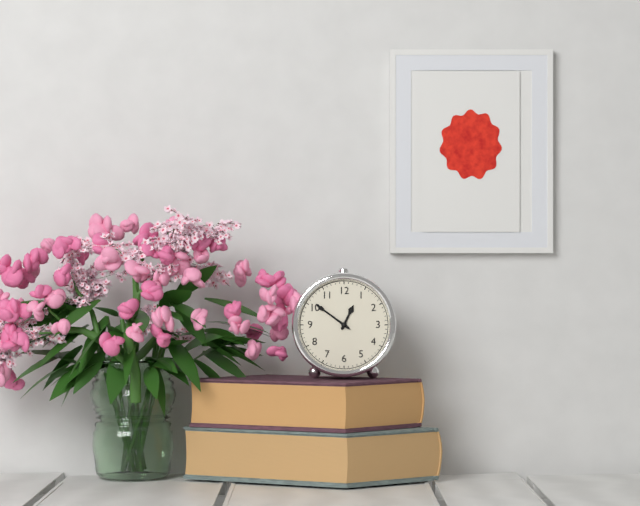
12:51
